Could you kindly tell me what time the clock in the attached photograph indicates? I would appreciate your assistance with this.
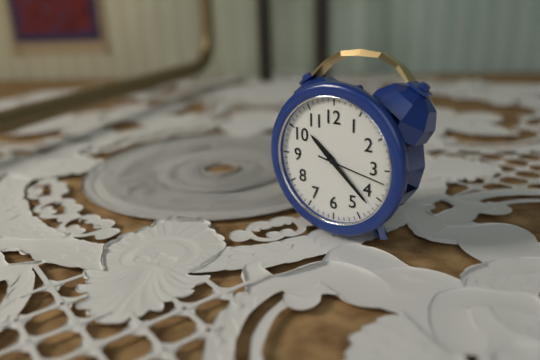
10:22:17
